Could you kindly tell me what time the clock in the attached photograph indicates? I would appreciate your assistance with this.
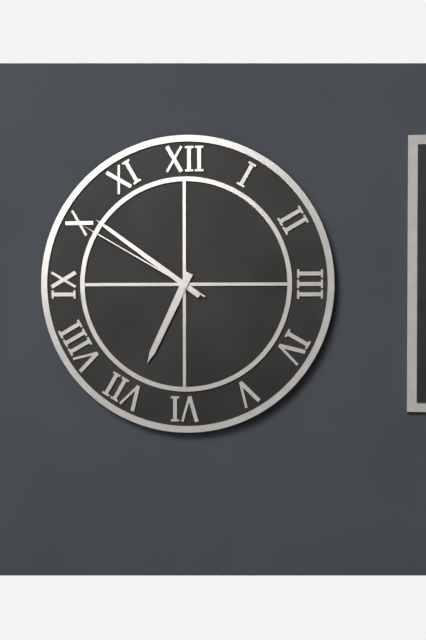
6:51:50
